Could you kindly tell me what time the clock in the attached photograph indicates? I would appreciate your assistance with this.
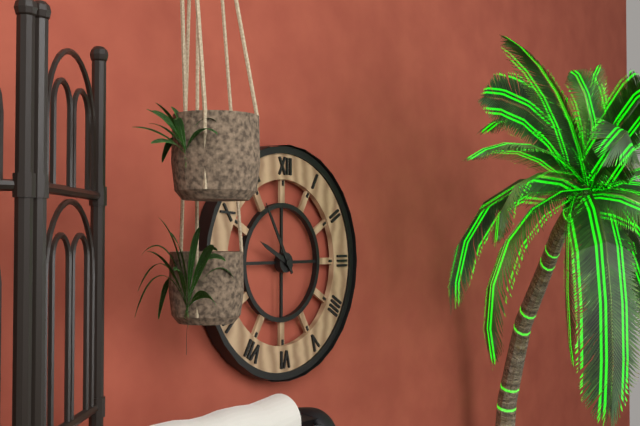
9:55
